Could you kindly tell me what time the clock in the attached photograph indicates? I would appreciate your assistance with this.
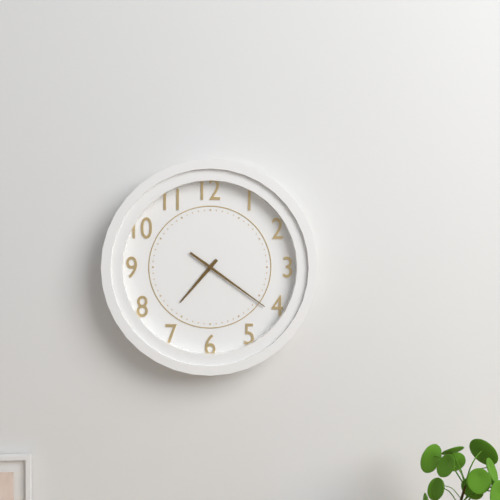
7:21
